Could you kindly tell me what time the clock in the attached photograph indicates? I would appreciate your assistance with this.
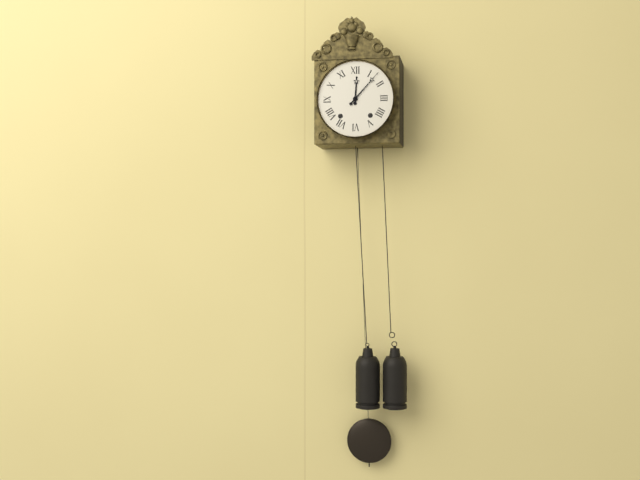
12:07
